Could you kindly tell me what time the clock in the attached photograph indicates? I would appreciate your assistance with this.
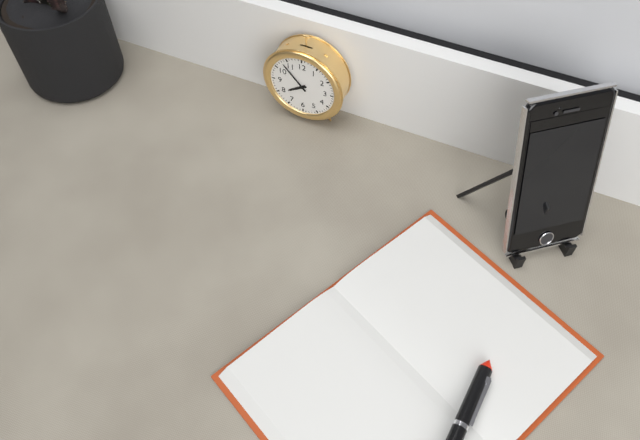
7:53
